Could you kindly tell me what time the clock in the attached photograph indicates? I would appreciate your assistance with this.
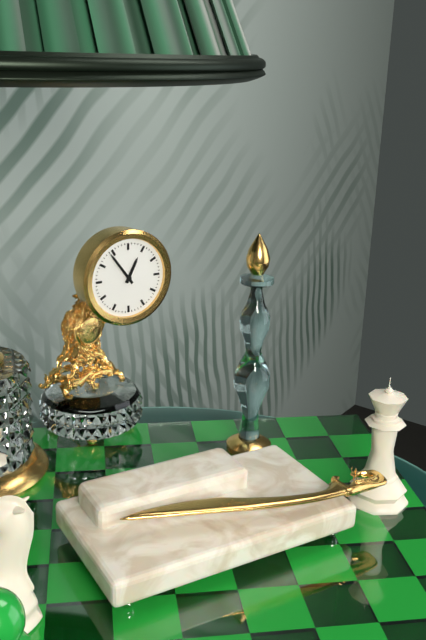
12:54
